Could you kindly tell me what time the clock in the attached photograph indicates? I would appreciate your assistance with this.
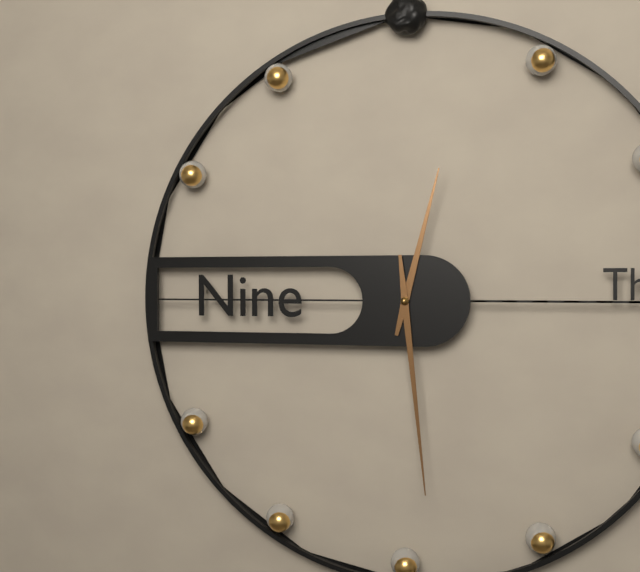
12:29
